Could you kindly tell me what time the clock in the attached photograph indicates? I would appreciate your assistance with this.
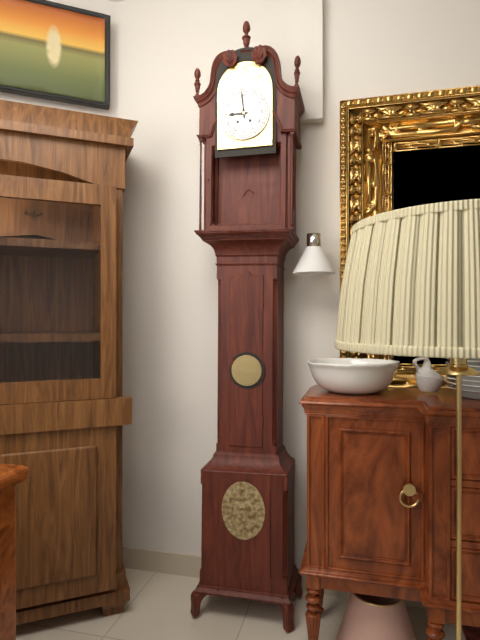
8:59
